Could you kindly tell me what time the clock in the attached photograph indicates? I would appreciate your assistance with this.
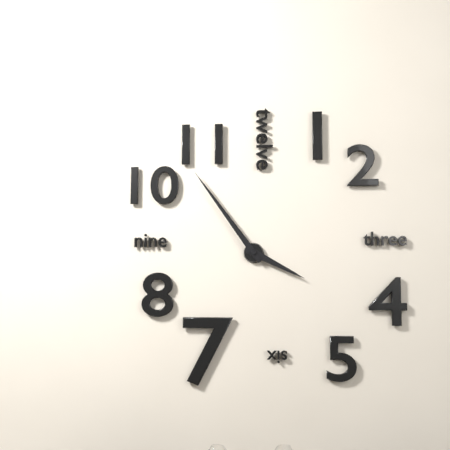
3:54
